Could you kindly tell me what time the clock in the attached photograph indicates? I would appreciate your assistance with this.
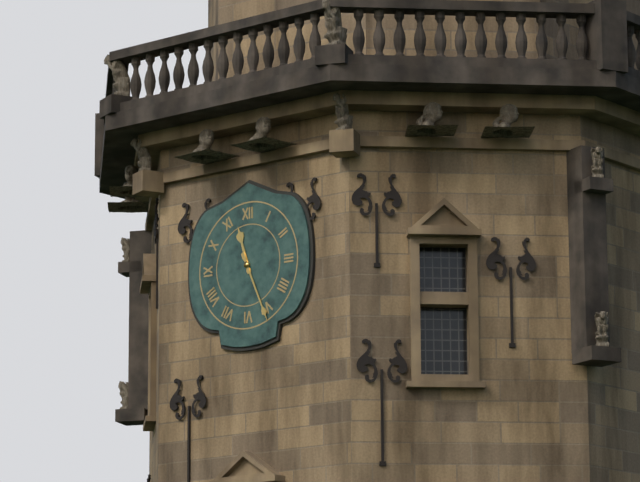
11:26
